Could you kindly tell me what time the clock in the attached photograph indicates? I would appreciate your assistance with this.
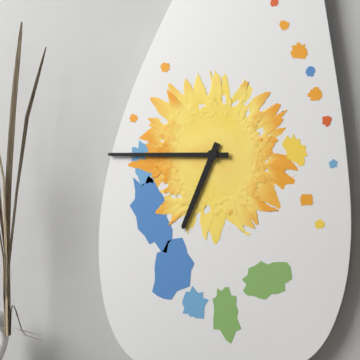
6:45
